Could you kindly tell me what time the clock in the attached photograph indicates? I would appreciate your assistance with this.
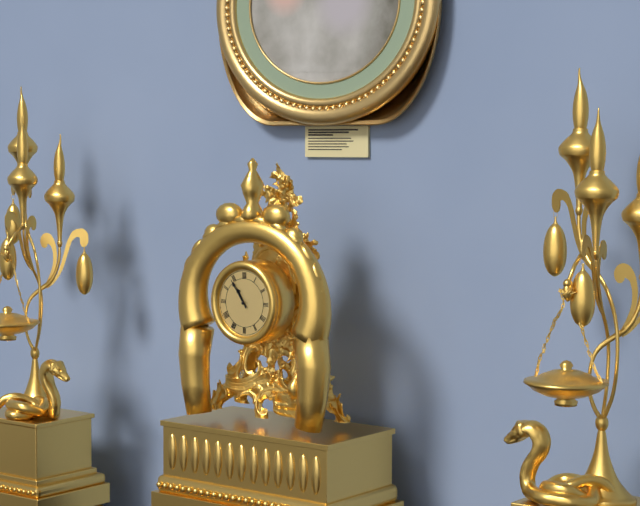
10:54
